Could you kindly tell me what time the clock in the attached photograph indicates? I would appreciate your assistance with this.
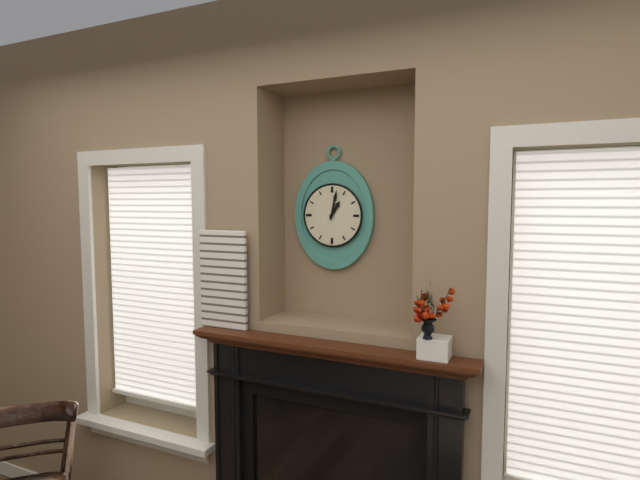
1:02
